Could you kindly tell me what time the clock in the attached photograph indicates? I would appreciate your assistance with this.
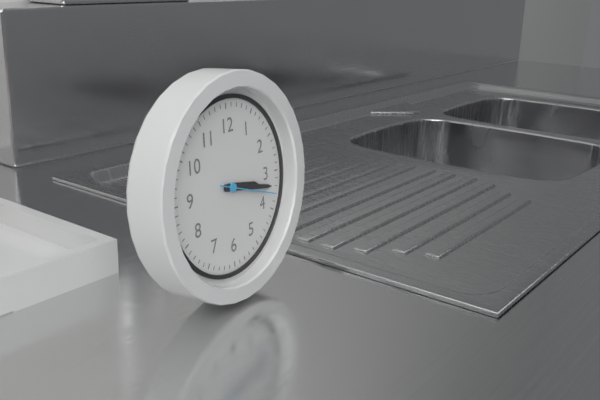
3:17:18
